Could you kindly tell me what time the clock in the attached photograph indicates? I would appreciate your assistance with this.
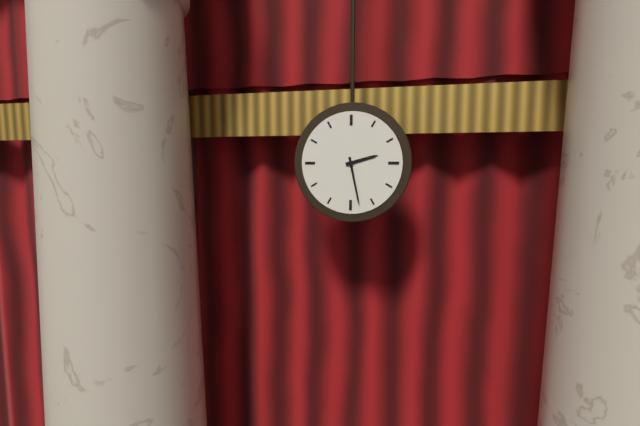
2:28
